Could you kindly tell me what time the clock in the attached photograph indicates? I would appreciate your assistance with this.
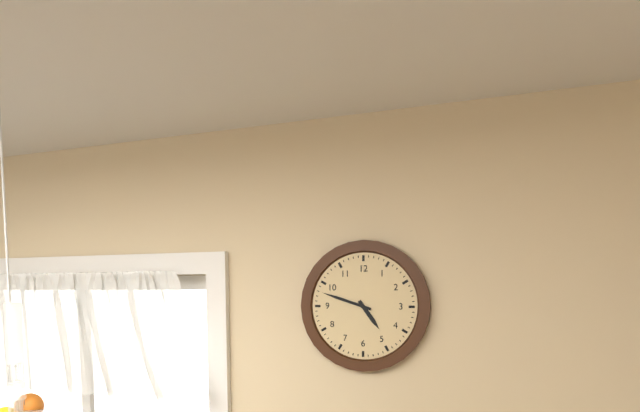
4:48
